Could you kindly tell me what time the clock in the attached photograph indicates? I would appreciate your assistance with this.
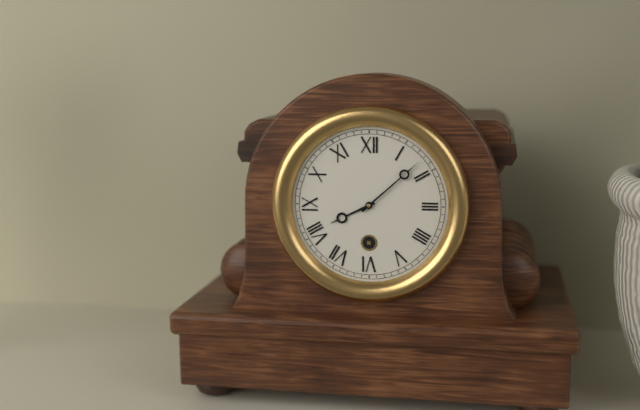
8:08
